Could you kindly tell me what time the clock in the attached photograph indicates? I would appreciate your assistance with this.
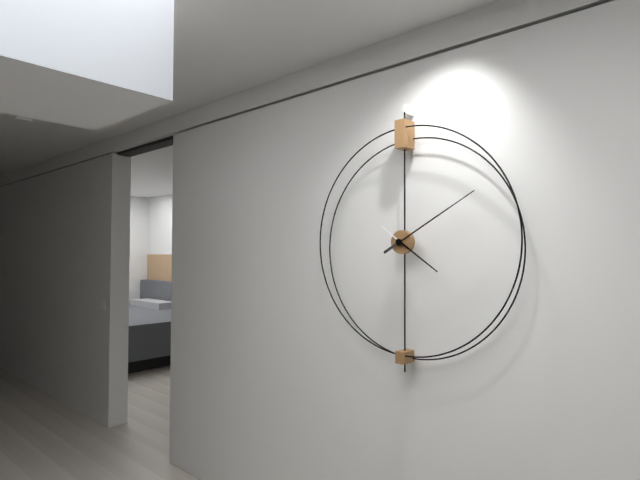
4:10
